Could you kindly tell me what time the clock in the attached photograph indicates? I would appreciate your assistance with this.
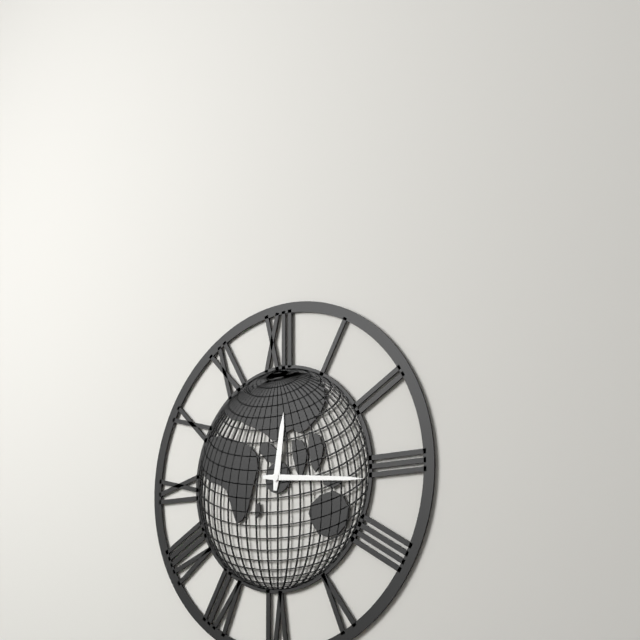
12:16
